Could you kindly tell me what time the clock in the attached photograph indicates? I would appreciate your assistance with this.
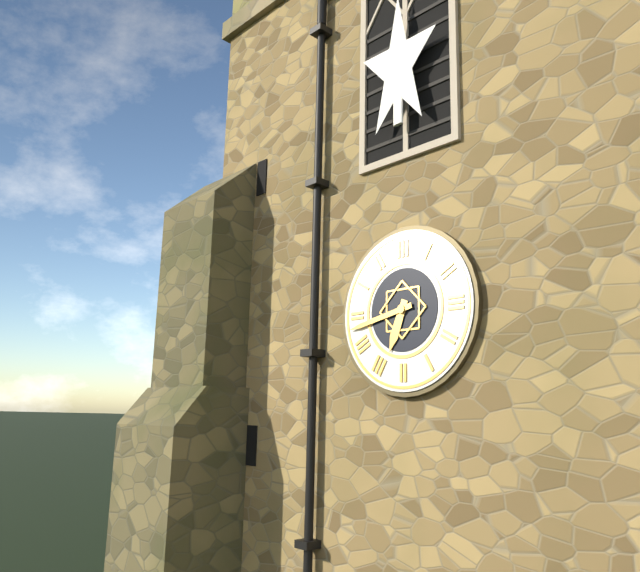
6:43
